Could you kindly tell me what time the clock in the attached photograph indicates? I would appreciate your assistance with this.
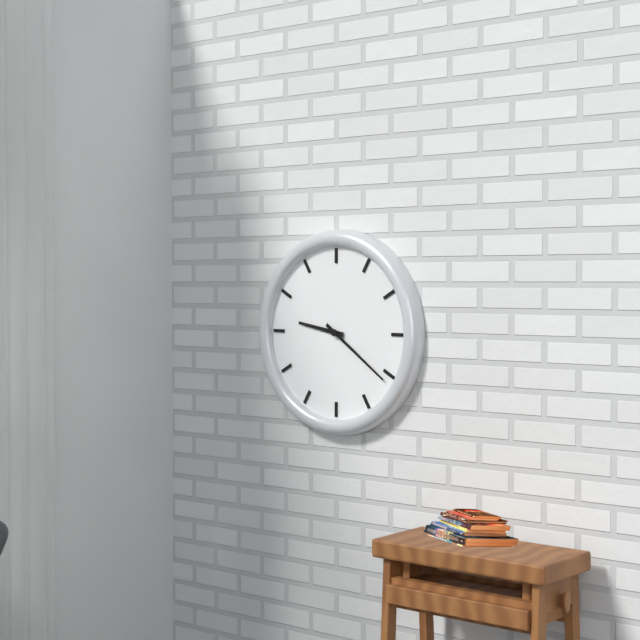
9:21
